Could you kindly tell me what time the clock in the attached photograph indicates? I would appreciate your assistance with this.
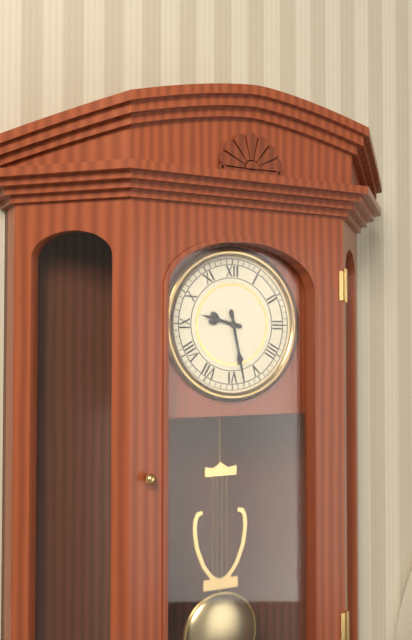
9:28
